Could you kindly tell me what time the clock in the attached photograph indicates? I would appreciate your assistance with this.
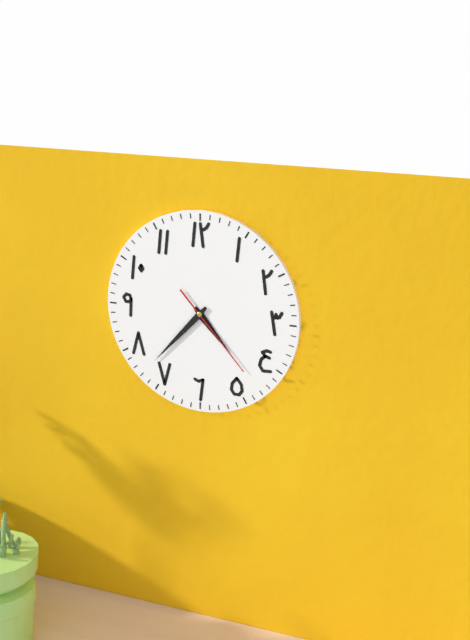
4:37:23
